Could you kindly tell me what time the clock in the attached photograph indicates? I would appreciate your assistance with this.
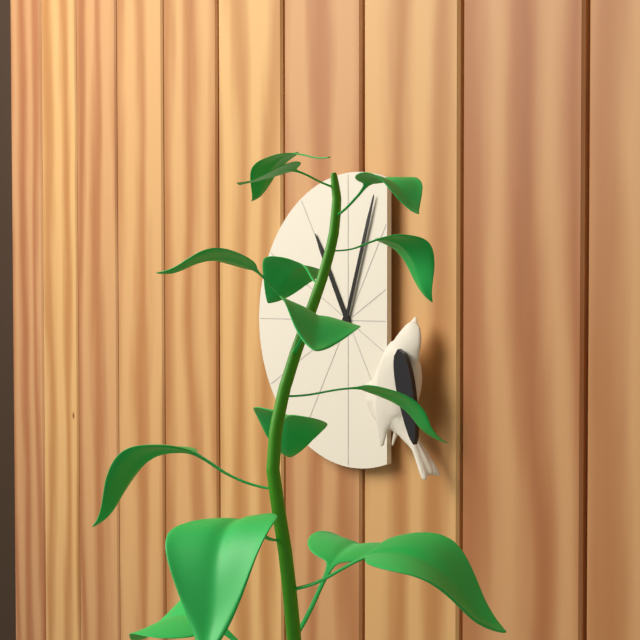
11:03
